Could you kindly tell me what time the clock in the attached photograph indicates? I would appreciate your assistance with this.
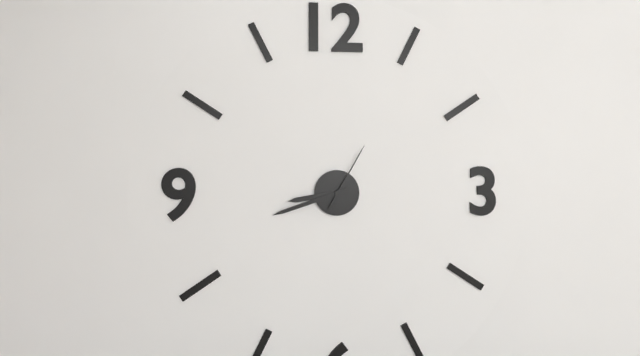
8:42:05
